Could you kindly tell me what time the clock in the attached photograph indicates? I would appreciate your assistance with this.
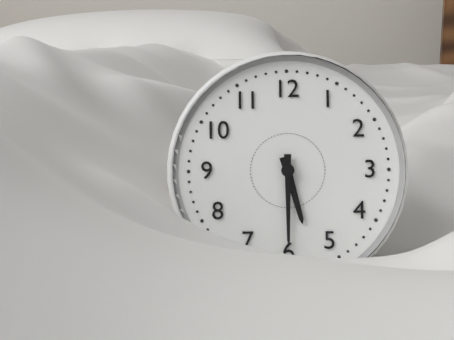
5:30
